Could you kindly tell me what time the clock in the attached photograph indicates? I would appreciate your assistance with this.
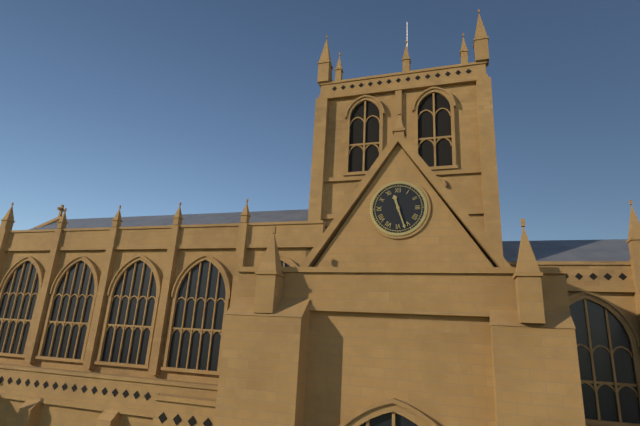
11:27
